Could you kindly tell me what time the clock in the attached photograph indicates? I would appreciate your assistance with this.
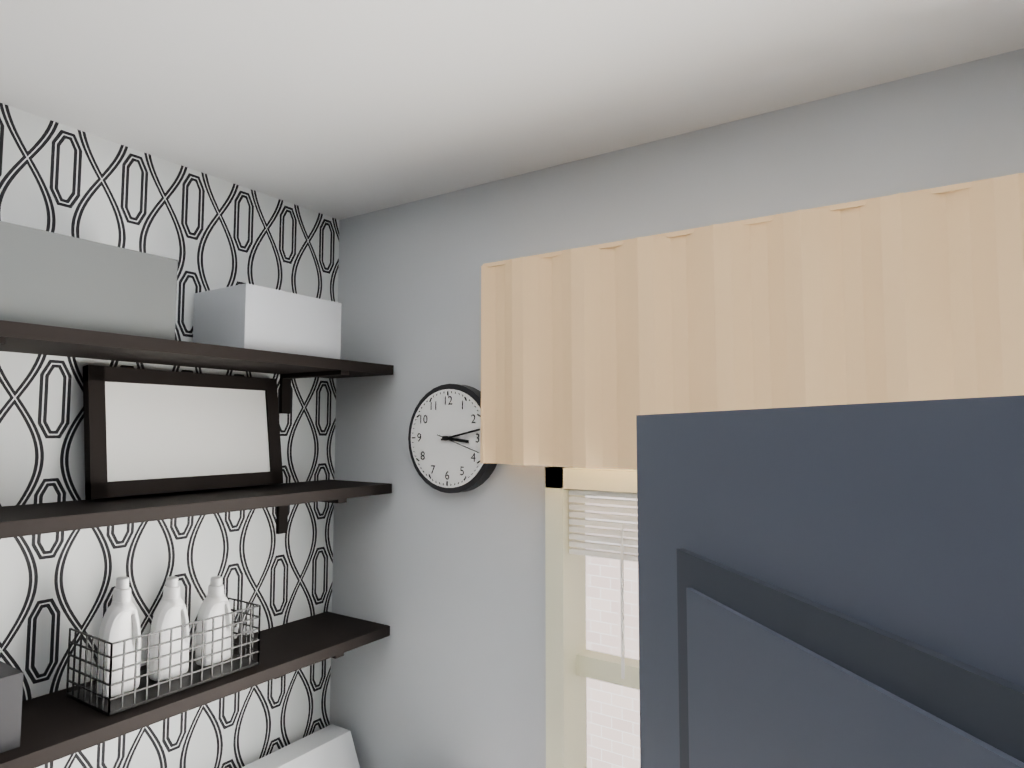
3:13
